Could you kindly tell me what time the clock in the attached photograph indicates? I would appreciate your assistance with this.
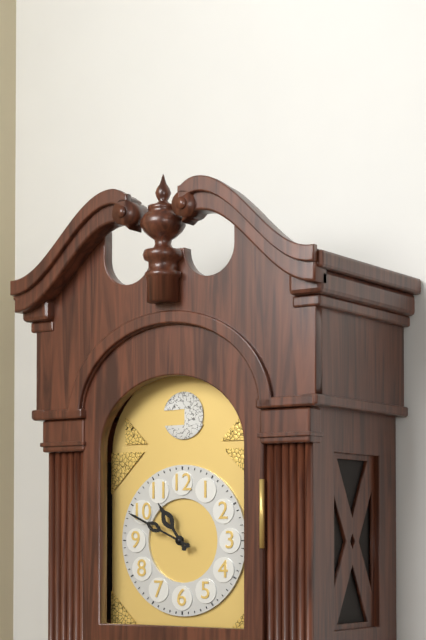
10:49
